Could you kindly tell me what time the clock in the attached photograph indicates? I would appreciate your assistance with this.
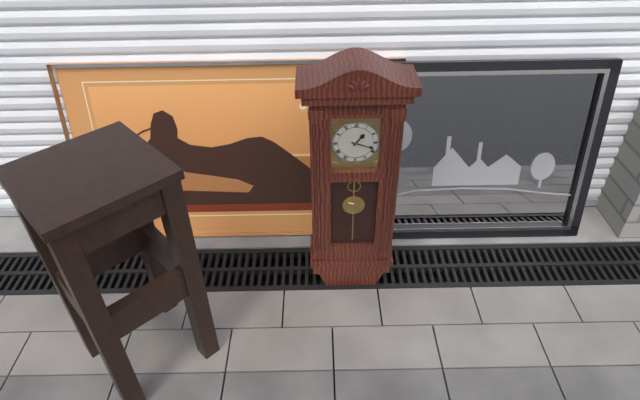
1:18
